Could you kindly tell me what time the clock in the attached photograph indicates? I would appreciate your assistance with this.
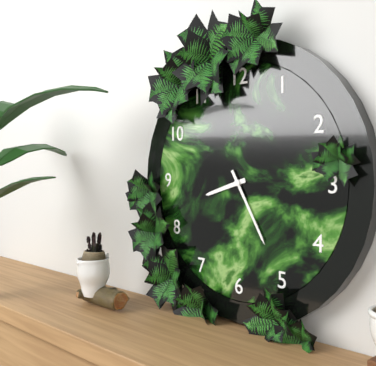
8:25
